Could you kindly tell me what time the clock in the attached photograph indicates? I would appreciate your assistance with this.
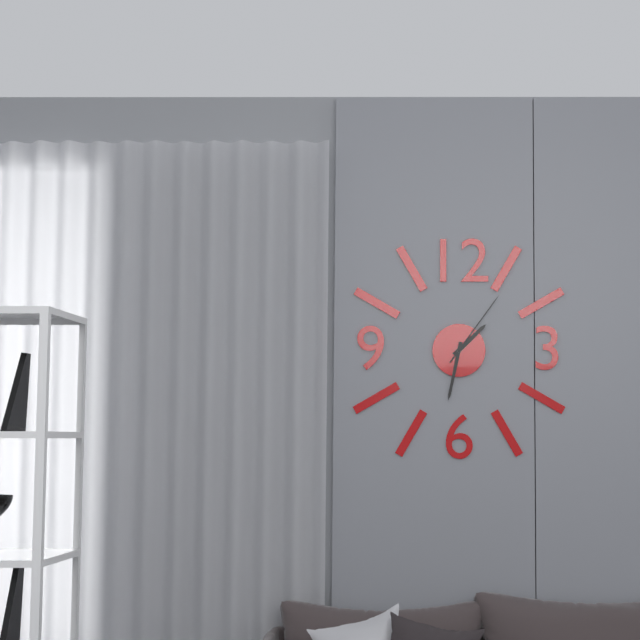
1:32:06
